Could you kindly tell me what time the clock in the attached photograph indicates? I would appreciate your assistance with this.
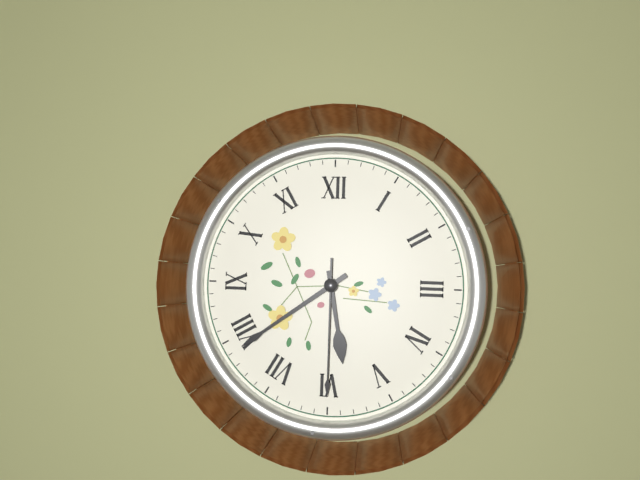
5:39:30
